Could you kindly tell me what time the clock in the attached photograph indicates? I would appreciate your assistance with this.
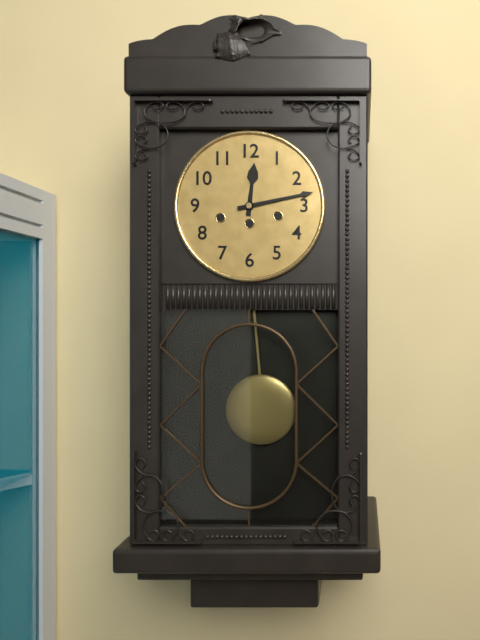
12:13
